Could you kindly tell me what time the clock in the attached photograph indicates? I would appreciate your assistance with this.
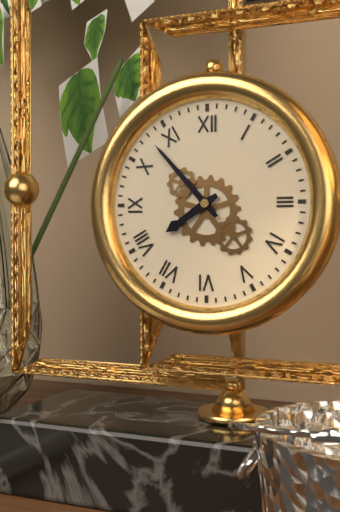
7:53
